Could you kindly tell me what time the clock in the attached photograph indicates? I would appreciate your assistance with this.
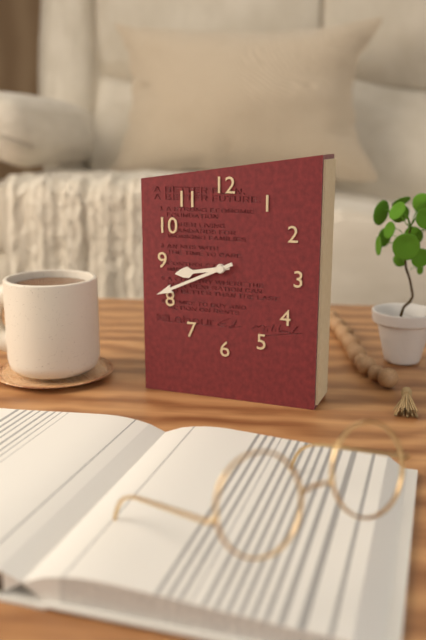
8:41
